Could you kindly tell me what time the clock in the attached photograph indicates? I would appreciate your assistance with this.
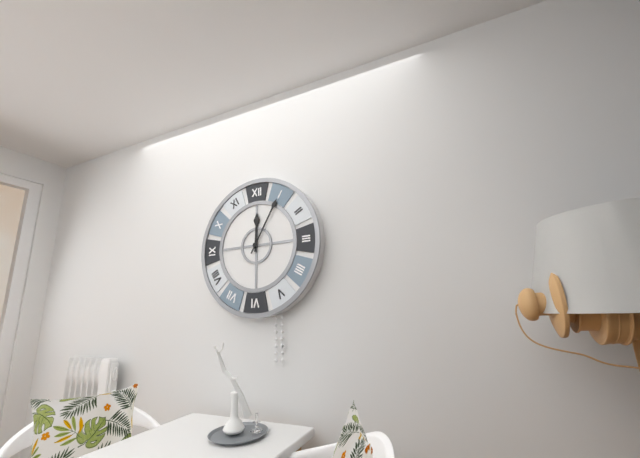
12:05
